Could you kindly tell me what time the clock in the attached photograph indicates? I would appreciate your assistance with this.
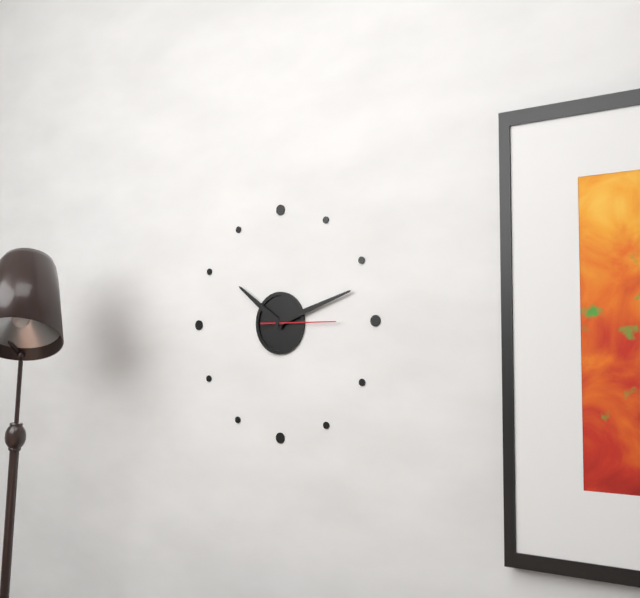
10:12:15
